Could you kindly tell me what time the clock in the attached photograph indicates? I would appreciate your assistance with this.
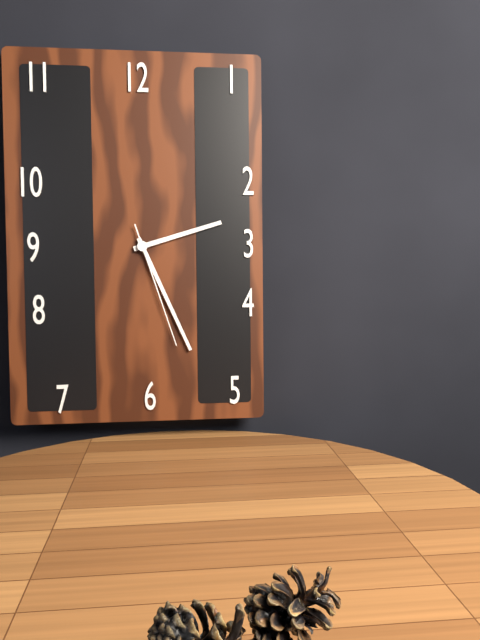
2:26:27
